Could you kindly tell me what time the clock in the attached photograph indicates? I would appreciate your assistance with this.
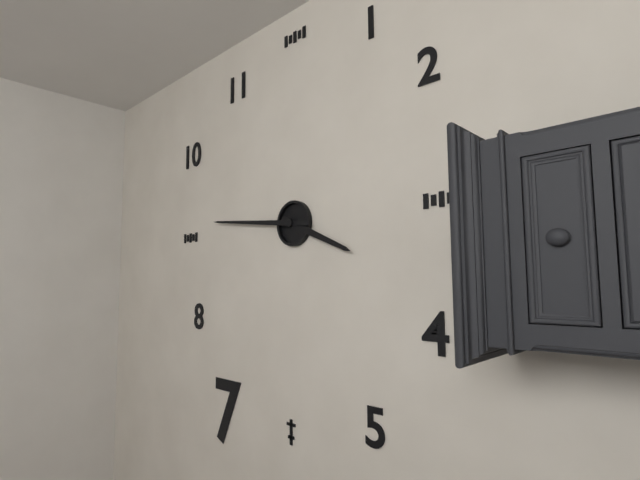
3:46
